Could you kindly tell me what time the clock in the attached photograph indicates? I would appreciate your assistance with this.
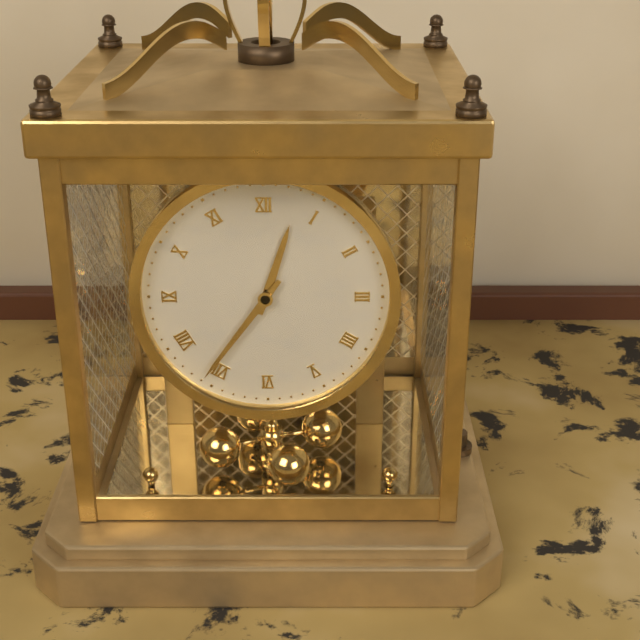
12:36
